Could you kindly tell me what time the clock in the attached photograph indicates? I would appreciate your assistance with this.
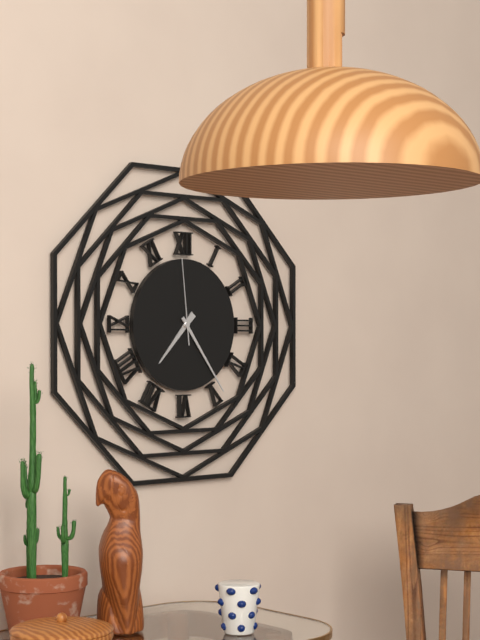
7:24:59
